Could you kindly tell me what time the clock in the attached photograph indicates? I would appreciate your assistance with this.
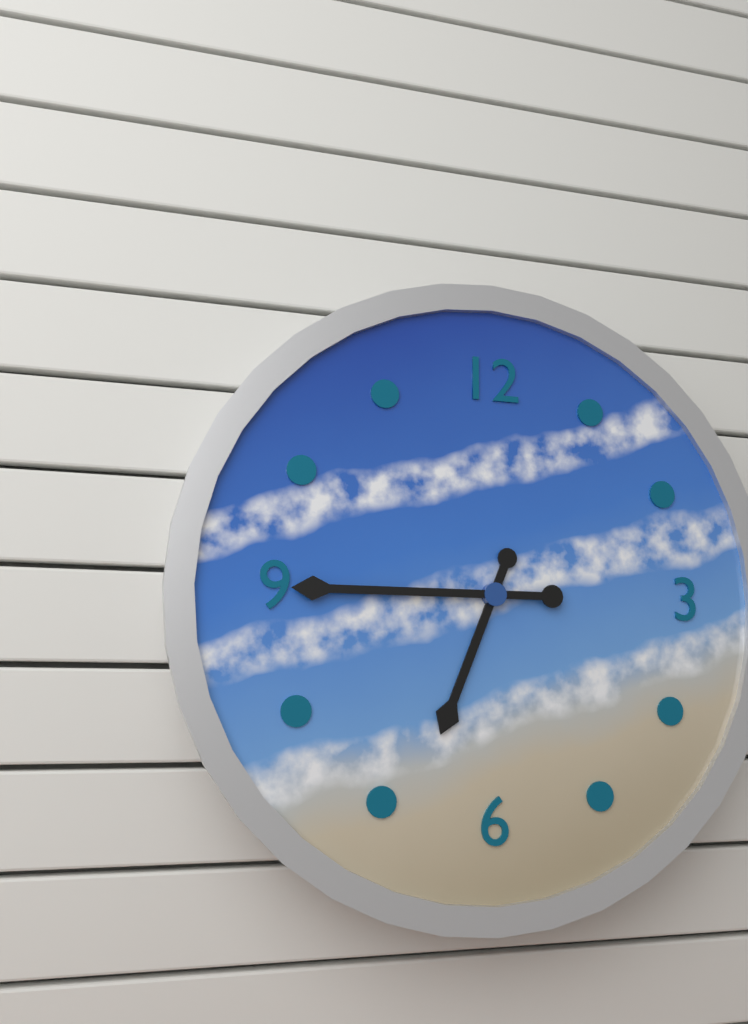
6:45
